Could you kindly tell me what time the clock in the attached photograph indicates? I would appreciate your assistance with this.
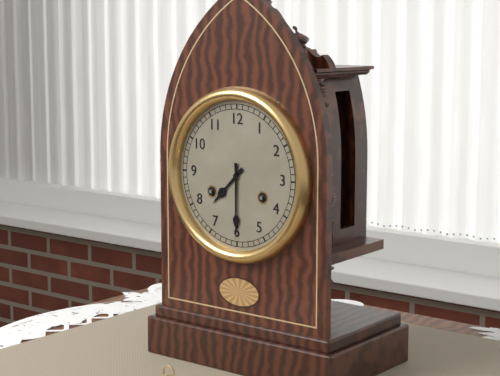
7:30
